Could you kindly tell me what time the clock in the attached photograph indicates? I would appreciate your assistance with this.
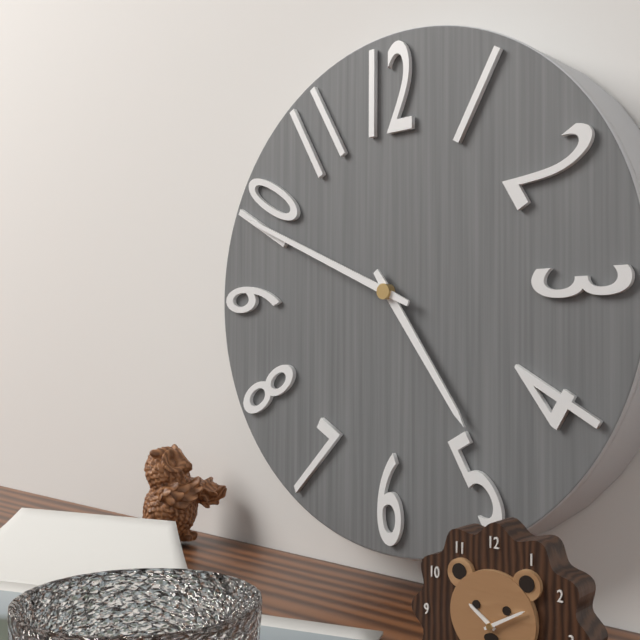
4:49
